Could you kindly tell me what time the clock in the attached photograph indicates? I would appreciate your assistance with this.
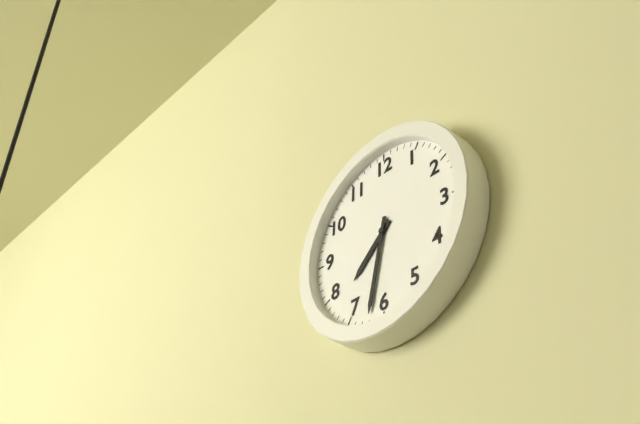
7:32
